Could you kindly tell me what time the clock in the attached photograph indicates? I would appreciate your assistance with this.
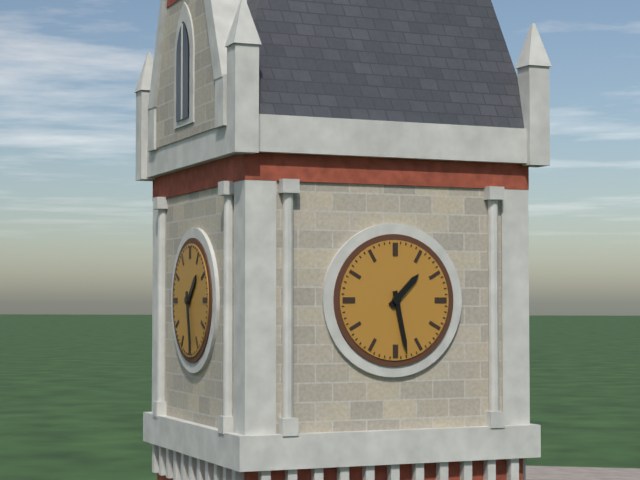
1:28
